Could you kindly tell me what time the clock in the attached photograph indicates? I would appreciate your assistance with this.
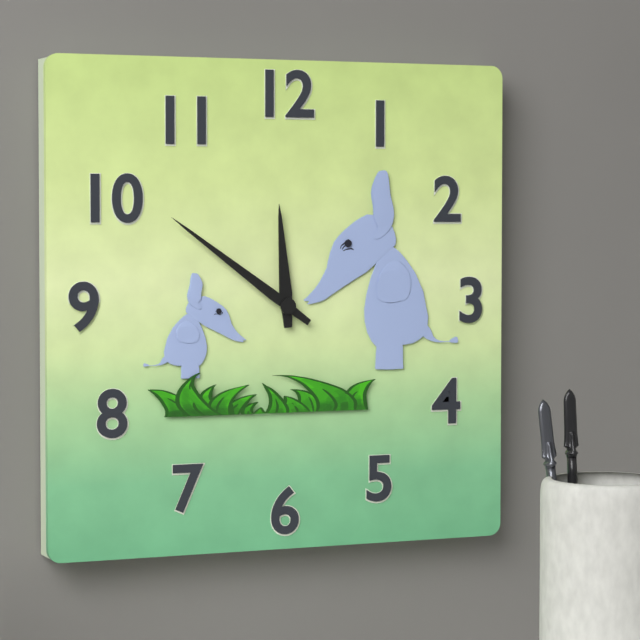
11:51
